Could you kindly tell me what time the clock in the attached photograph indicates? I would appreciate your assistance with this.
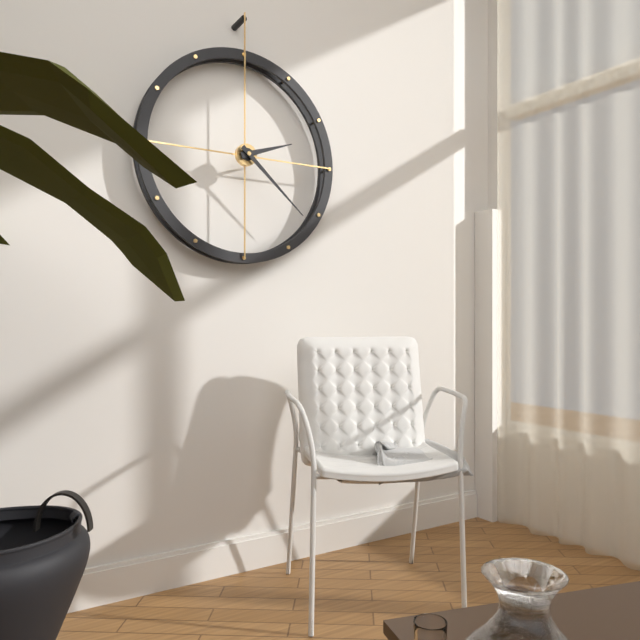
2:22
